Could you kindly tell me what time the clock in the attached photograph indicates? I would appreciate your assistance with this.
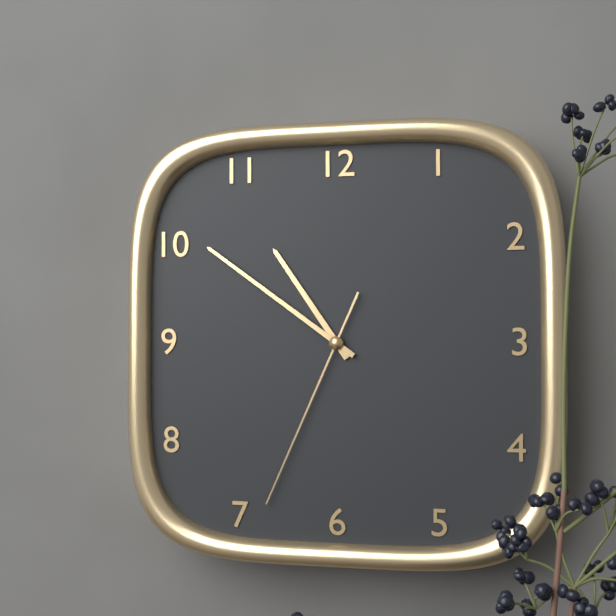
10:51:34
